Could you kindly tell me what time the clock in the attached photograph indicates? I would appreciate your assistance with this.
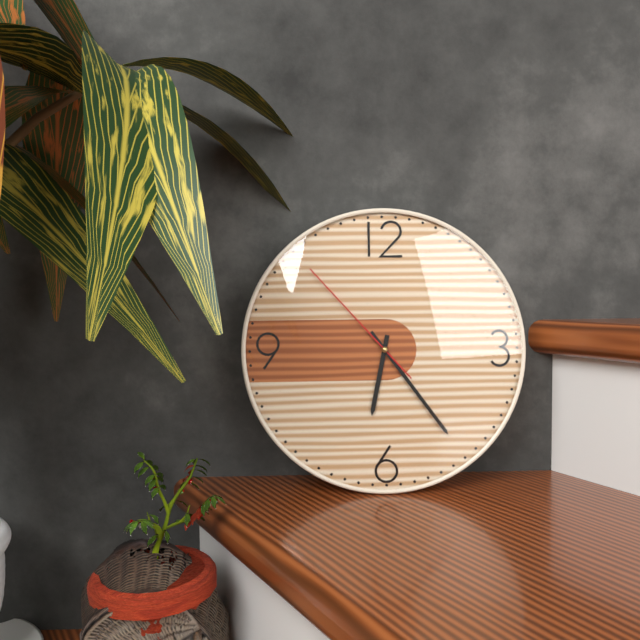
6:24:53
